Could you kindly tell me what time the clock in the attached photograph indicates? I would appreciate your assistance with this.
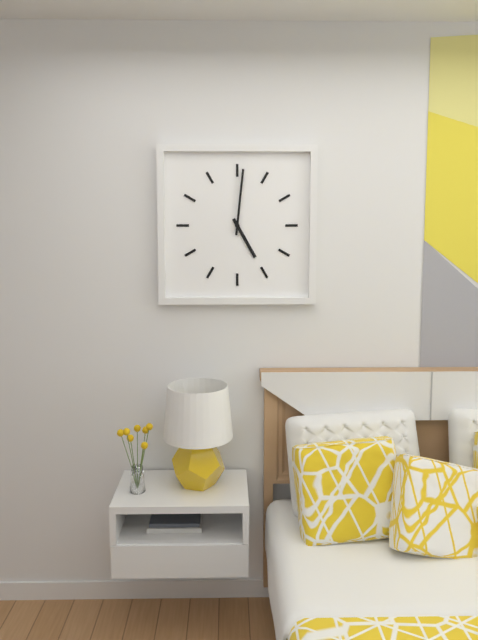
5:01
